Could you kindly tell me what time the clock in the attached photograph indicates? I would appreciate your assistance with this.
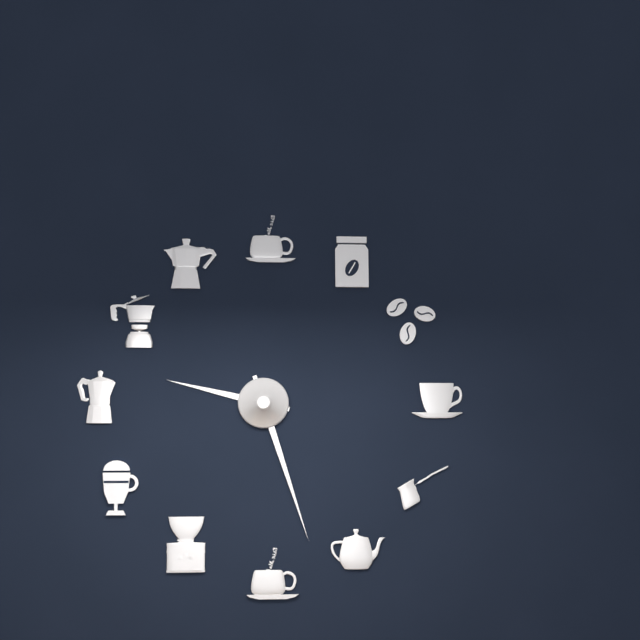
9:27
